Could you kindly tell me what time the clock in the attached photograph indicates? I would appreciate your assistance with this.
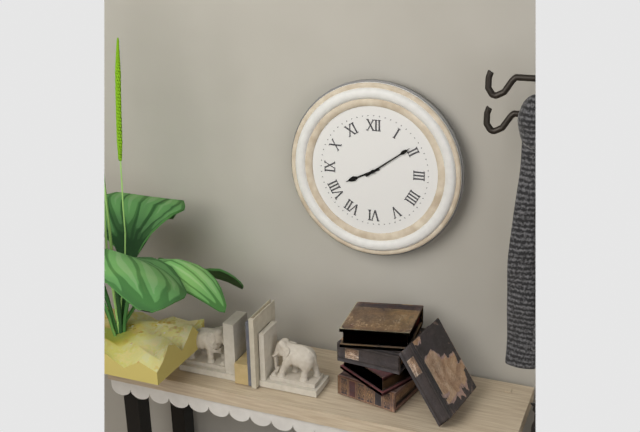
8:09
